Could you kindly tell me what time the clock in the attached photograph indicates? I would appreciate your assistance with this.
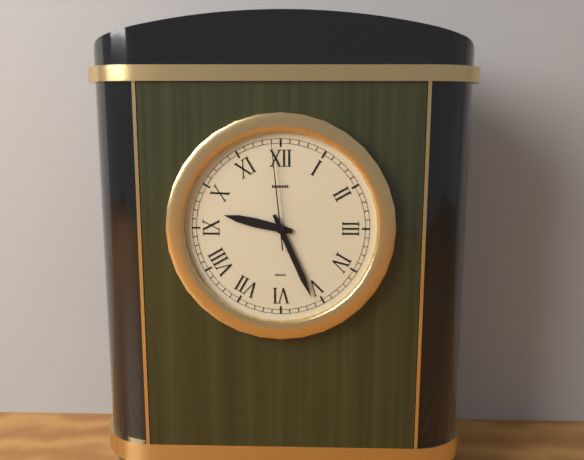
9:26:59
